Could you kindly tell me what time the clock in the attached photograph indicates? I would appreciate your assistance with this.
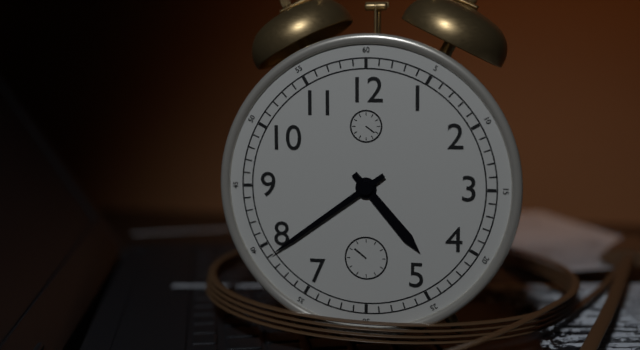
4:39
